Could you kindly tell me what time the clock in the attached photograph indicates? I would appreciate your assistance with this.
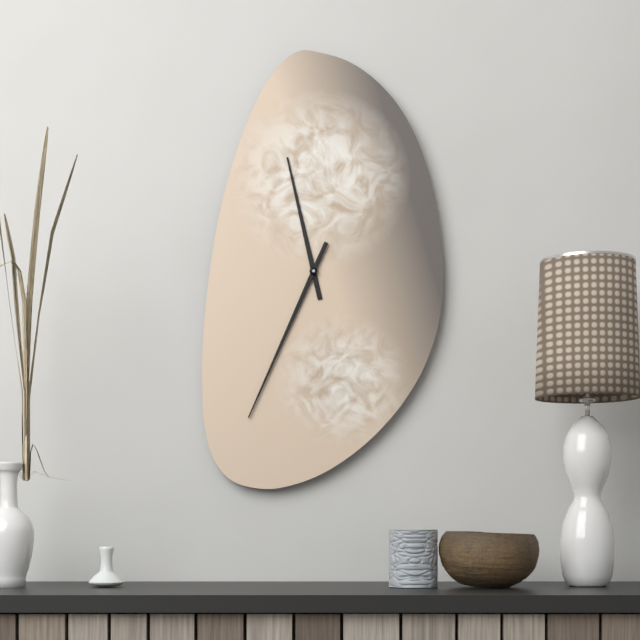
11:34
